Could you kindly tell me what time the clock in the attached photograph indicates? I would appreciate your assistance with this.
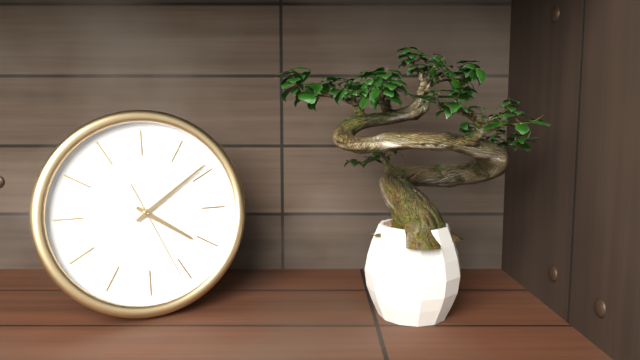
4:09:26
